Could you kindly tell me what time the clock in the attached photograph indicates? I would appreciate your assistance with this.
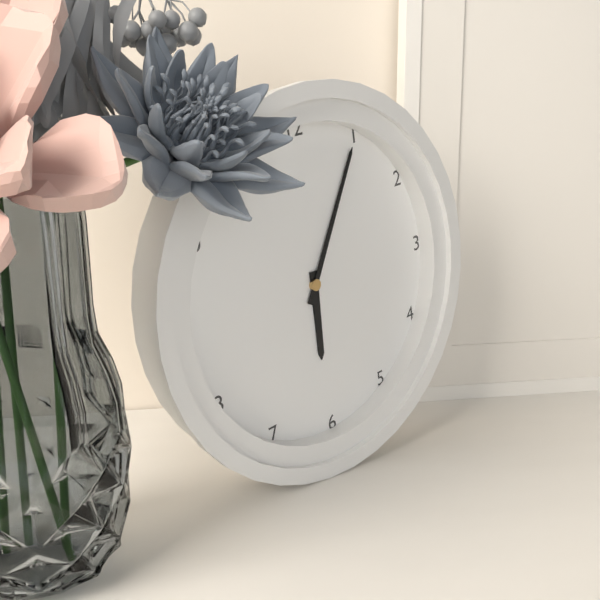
6:05
